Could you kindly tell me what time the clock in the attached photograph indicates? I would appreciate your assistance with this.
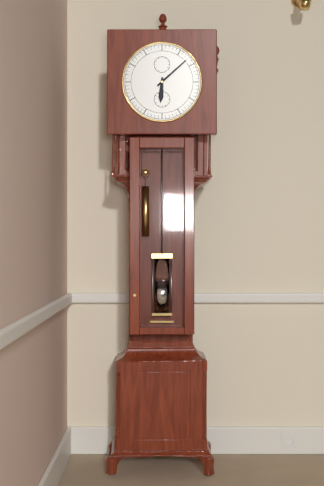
6:08
